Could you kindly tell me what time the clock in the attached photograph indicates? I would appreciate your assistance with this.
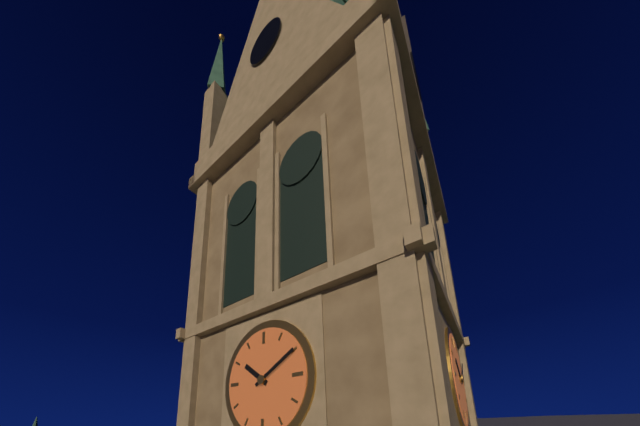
10:10
